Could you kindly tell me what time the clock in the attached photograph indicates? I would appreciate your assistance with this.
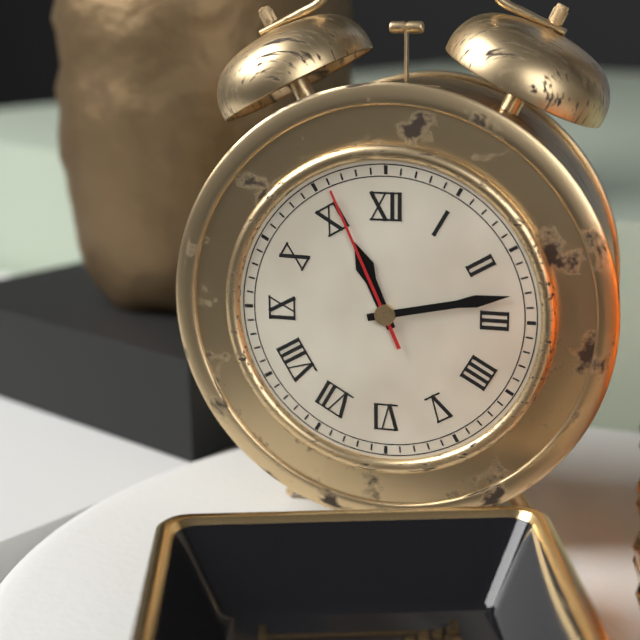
11:13:56
